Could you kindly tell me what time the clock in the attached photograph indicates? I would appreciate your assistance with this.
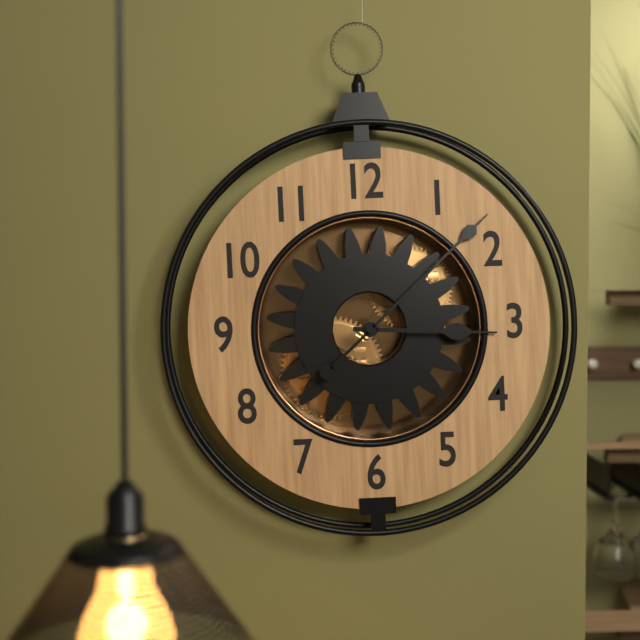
3:08
